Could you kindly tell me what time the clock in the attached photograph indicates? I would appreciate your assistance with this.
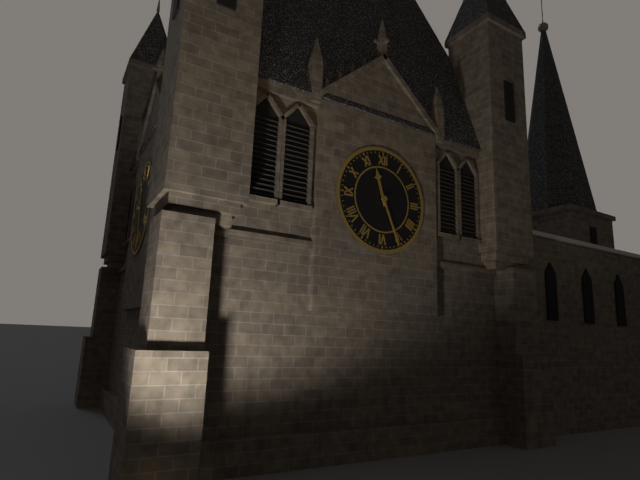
11:26
